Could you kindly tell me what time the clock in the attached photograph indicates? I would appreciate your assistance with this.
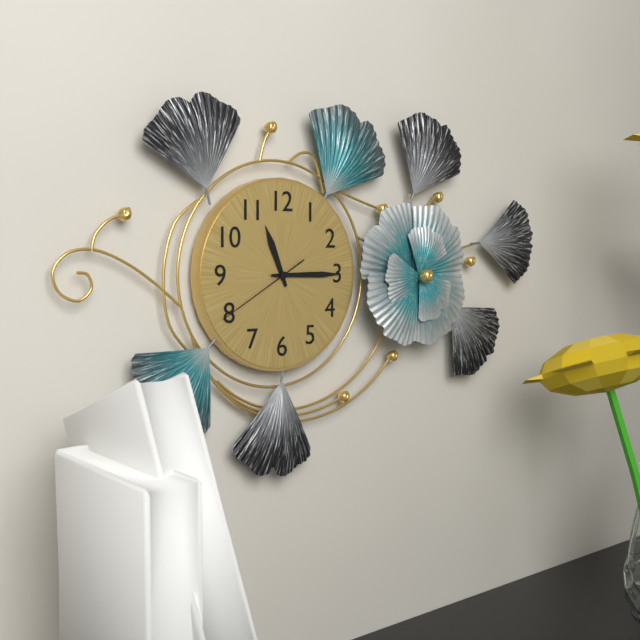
11:15:40
